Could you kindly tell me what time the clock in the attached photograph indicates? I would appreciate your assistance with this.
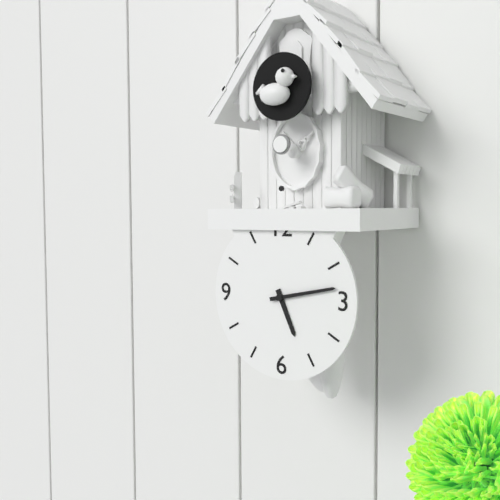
5:13
